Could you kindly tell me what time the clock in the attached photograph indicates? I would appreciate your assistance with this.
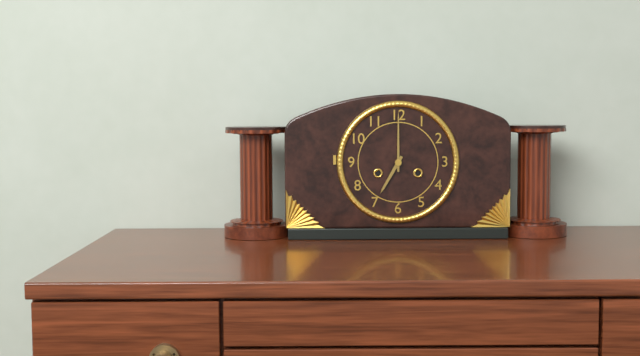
7:00
